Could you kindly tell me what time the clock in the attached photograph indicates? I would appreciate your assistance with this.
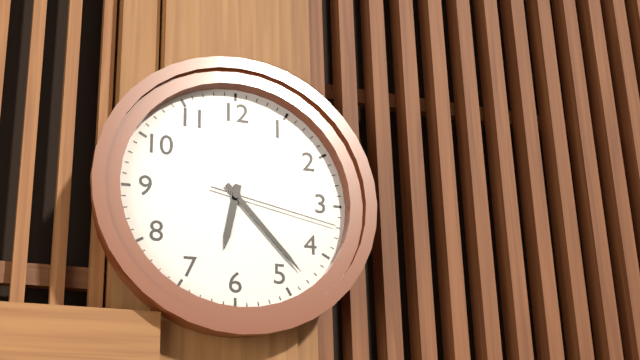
6:23:17
